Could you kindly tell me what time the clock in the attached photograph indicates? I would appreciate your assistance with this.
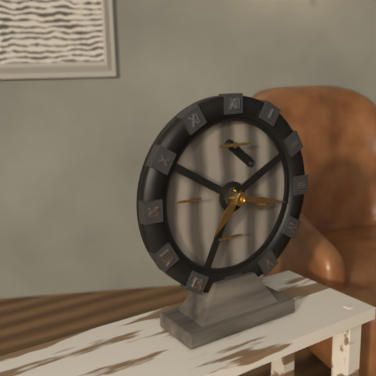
7:17
